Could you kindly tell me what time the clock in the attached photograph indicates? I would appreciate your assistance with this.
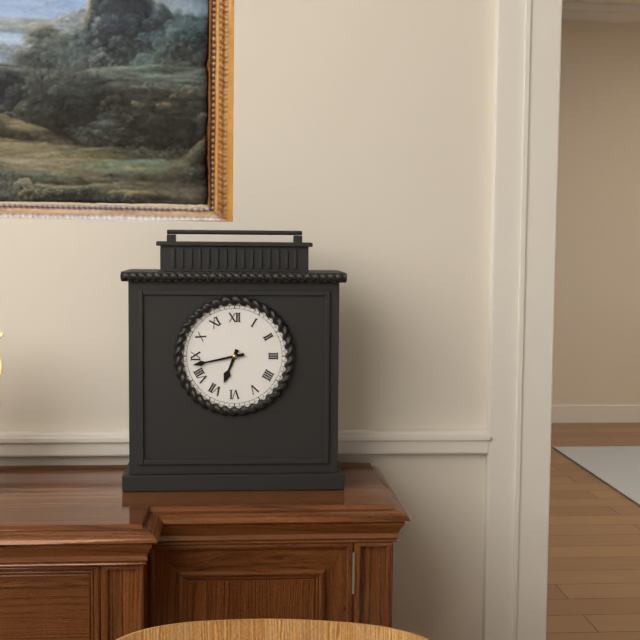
6:43
